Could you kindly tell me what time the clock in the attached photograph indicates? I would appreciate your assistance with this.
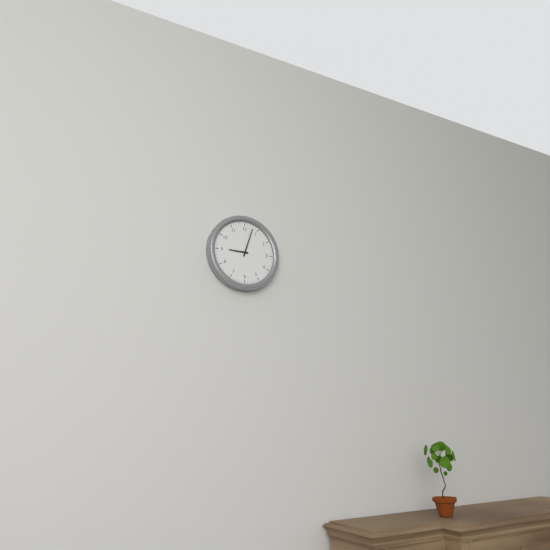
9:03
